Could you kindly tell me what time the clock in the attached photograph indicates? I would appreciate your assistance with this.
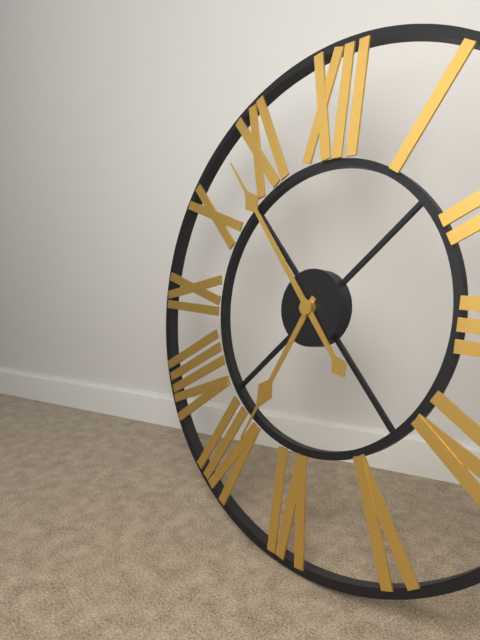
6:53
